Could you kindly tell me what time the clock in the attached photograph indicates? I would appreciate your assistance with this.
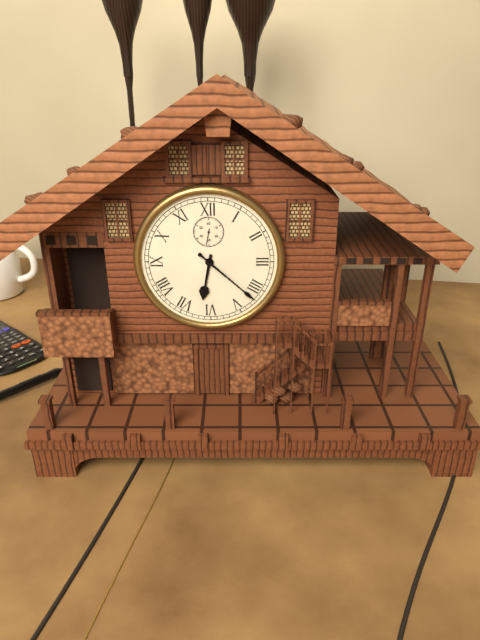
6:22
